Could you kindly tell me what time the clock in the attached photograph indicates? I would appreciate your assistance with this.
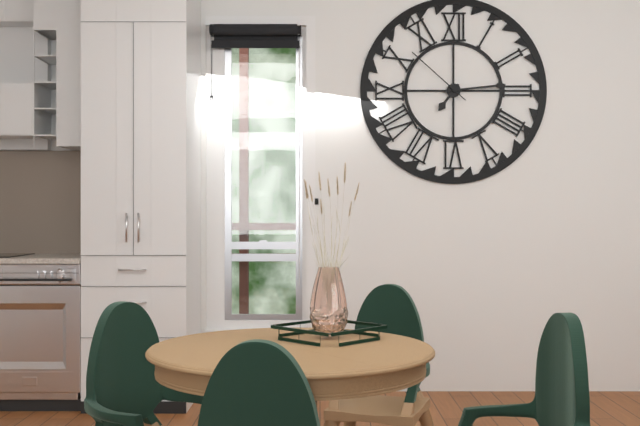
7:14:52
